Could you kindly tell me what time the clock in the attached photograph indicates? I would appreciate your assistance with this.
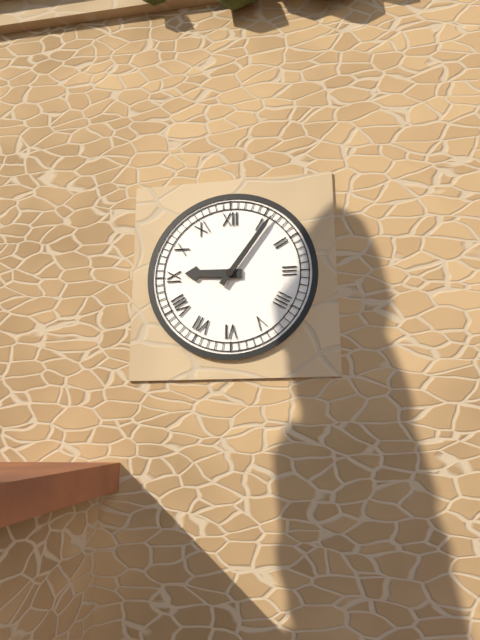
9:06
